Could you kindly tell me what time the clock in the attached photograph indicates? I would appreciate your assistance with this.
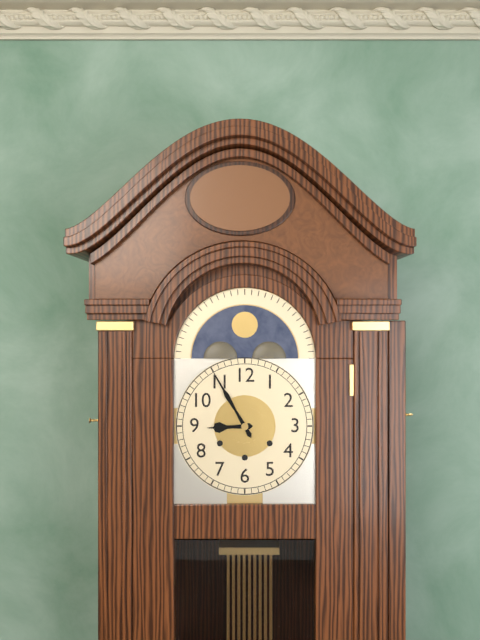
8:55
